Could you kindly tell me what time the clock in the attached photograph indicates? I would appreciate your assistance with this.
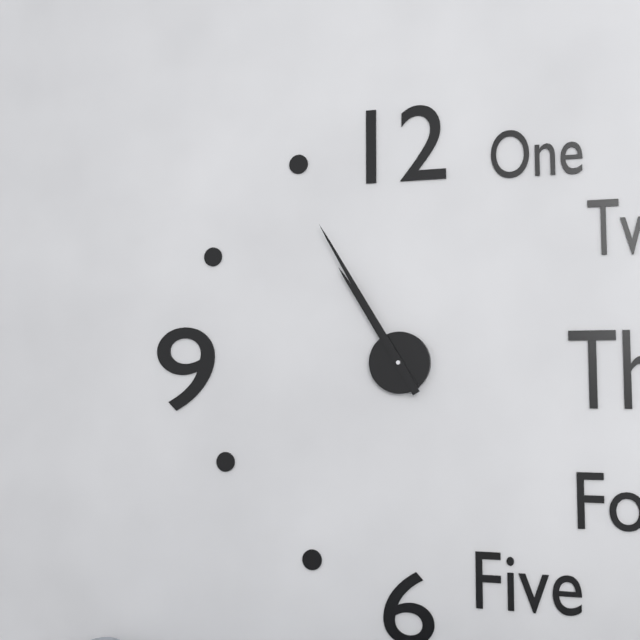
10:55
